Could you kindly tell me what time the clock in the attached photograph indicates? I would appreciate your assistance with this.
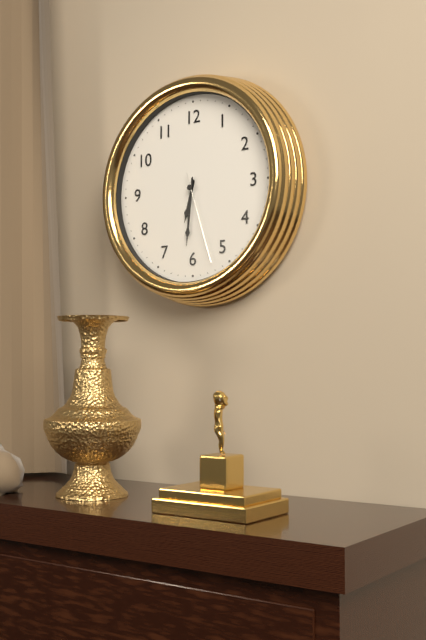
6:31:27
